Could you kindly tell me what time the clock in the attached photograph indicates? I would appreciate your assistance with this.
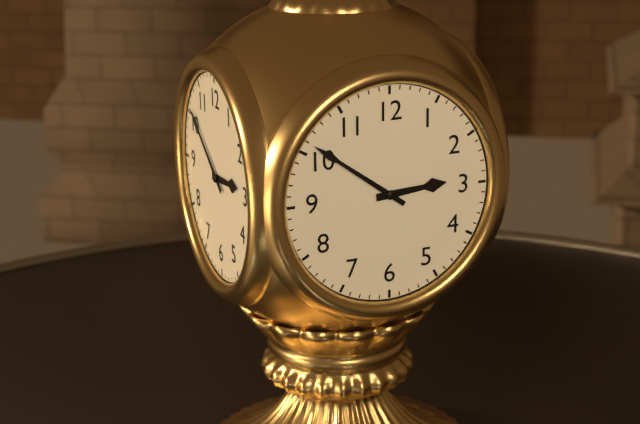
2:51
